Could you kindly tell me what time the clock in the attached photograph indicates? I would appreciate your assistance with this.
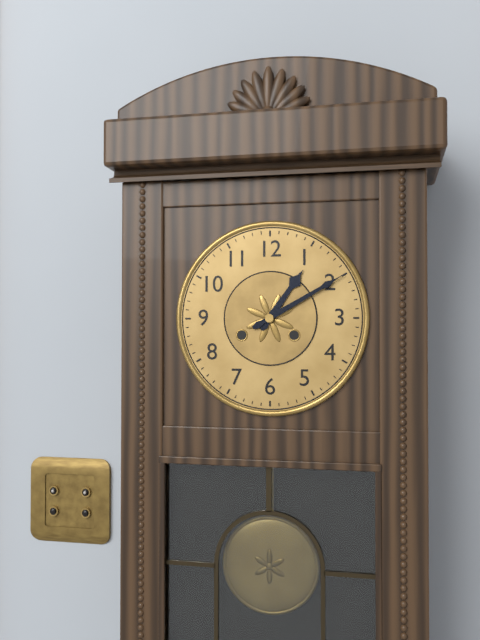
1:10
